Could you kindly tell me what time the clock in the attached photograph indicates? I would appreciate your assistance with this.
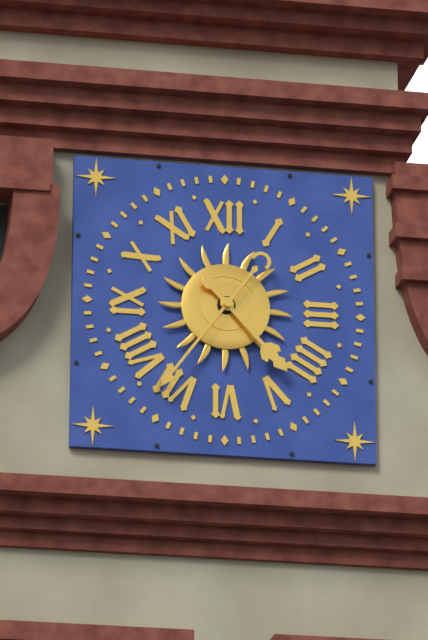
4:36
